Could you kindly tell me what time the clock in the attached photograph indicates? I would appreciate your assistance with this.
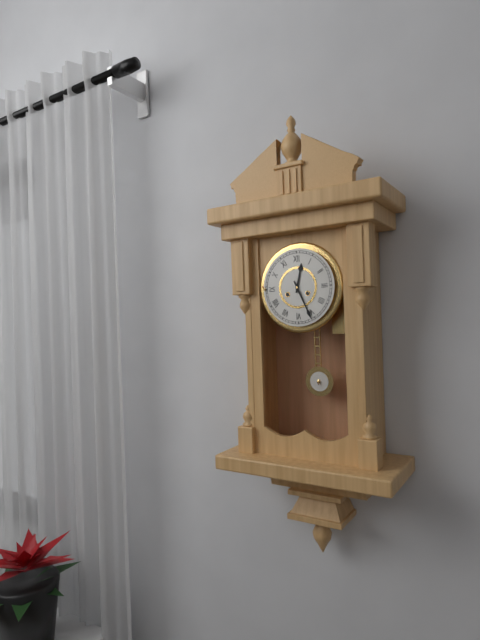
12:26
